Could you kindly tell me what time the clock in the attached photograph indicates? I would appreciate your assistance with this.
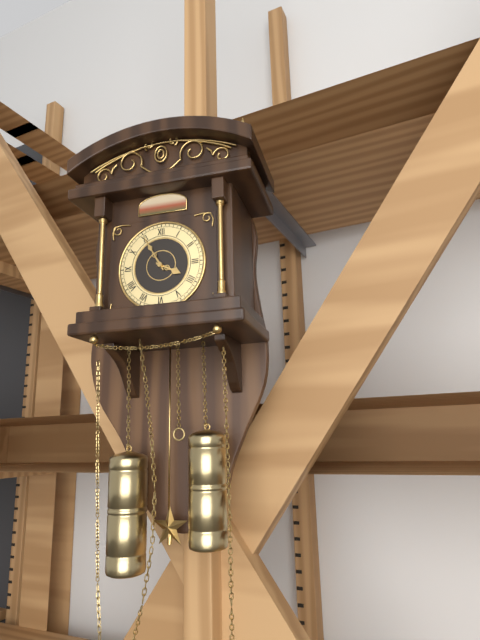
3:55
